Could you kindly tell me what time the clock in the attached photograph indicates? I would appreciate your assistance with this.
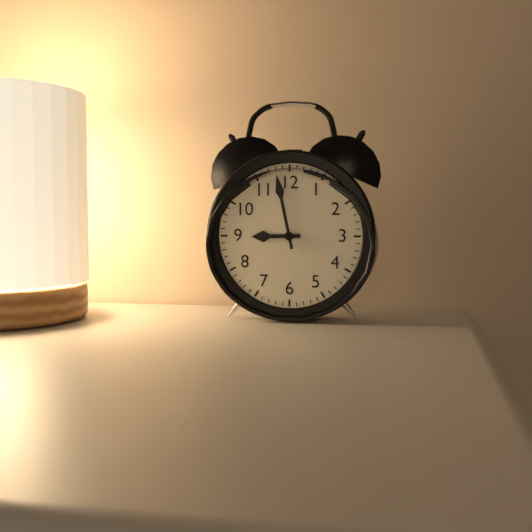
8:58
